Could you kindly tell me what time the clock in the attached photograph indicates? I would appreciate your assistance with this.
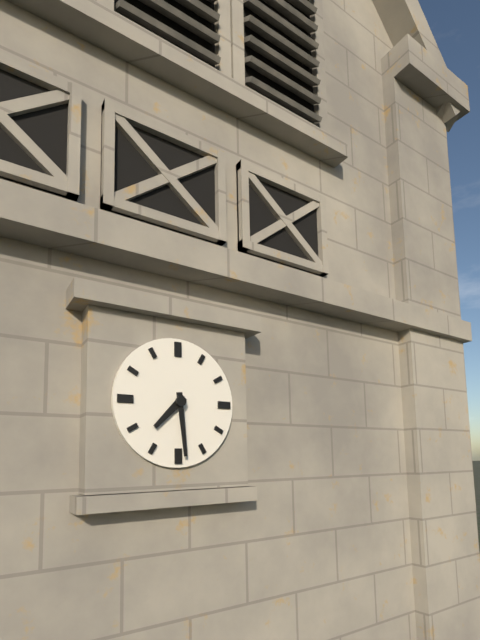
7:29
